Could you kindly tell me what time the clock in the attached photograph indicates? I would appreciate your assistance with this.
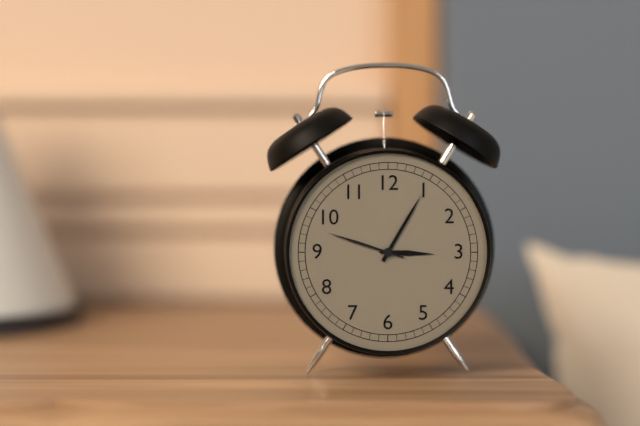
3:05:48
